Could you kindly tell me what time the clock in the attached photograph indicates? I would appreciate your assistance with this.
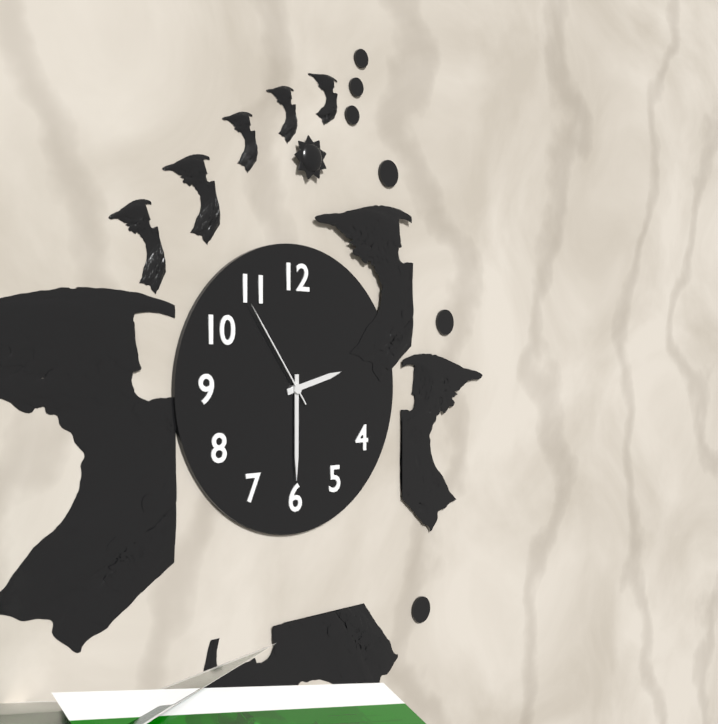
2:30:54
